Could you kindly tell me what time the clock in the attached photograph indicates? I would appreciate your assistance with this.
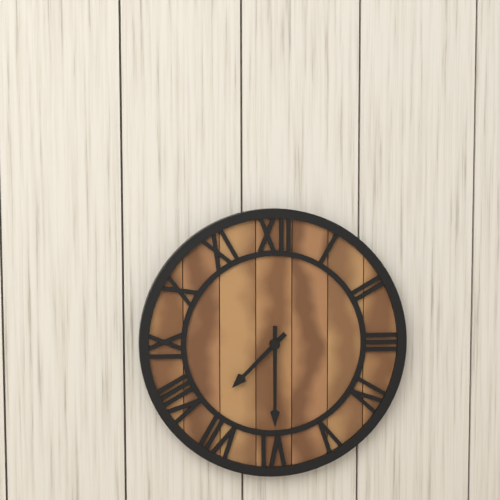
7:30
